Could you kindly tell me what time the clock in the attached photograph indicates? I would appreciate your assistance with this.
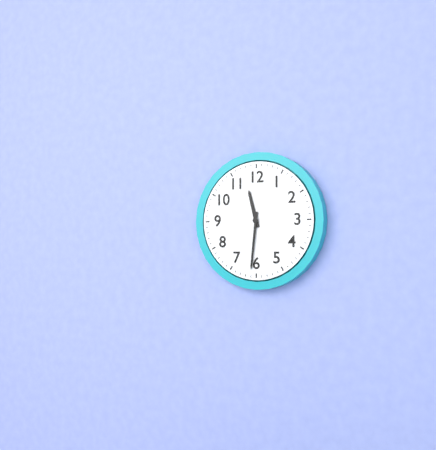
11:31
